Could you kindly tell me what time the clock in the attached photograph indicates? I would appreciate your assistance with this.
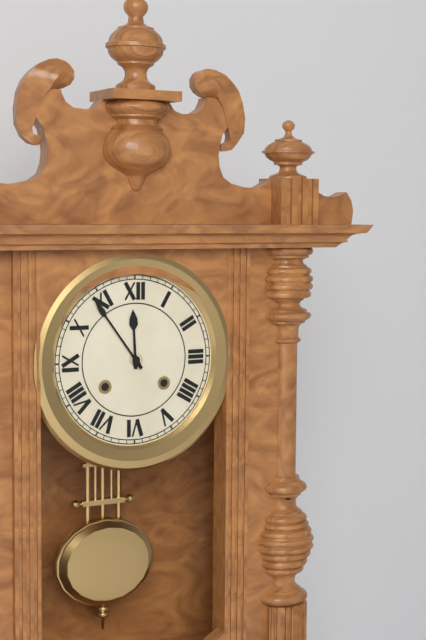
11:54
